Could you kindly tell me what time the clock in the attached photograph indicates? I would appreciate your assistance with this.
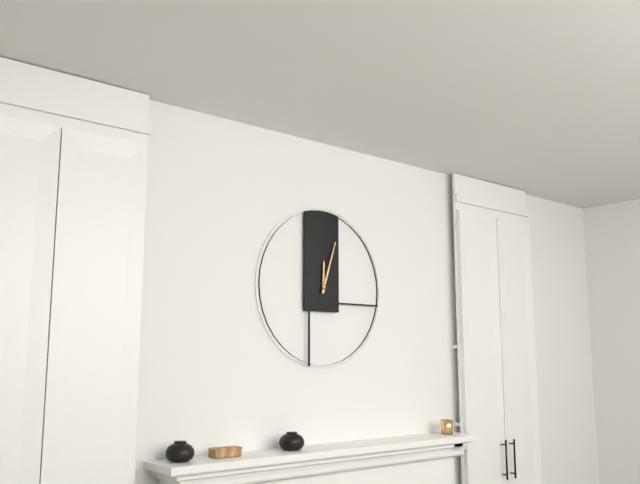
12:03
